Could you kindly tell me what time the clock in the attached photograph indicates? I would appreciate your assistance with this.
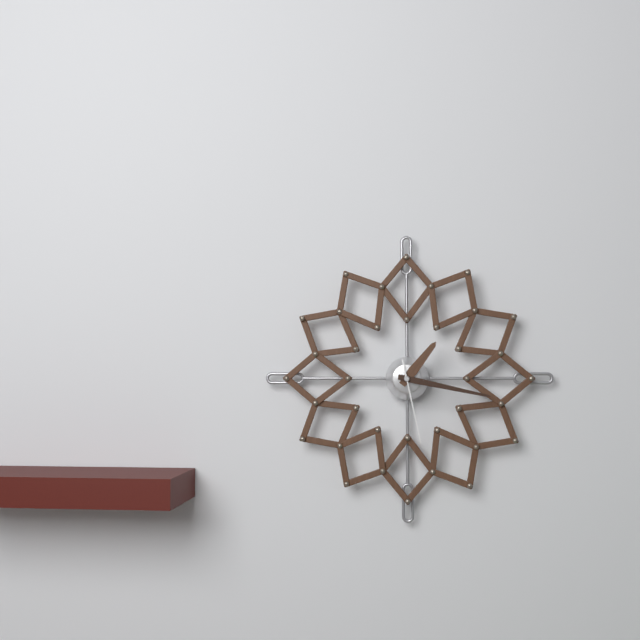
1:17:28
